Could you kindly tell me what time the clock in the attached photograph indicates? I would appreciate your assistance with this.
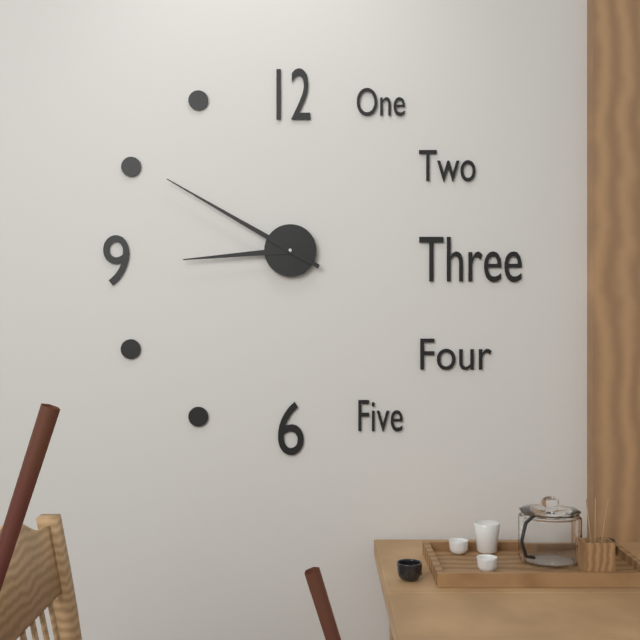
8:50
